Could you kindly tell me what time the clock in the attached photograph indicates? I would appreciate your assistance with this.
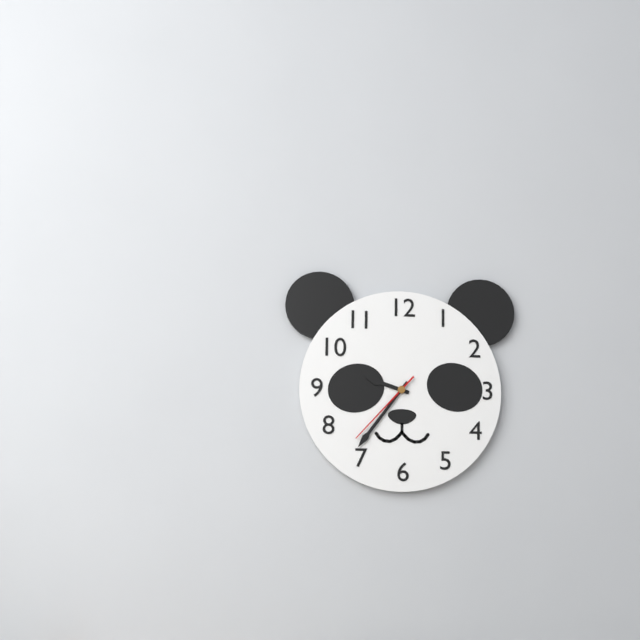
9:36:37
